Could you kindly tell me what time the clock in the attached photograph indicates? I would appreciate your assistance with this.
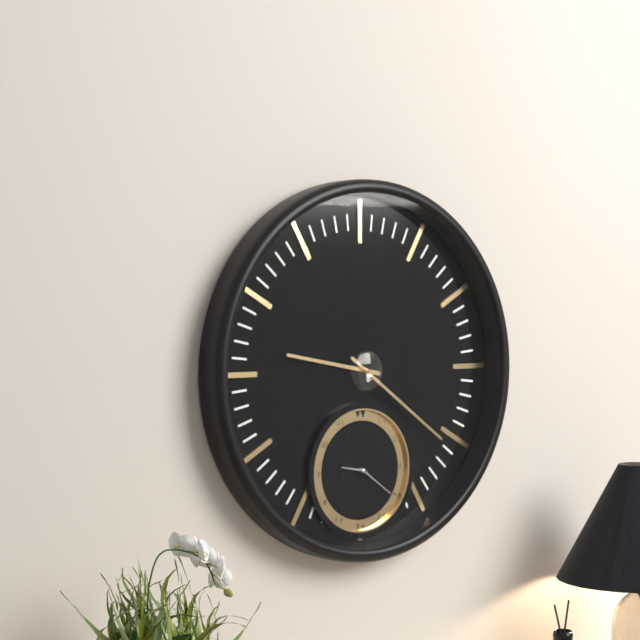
9:21
